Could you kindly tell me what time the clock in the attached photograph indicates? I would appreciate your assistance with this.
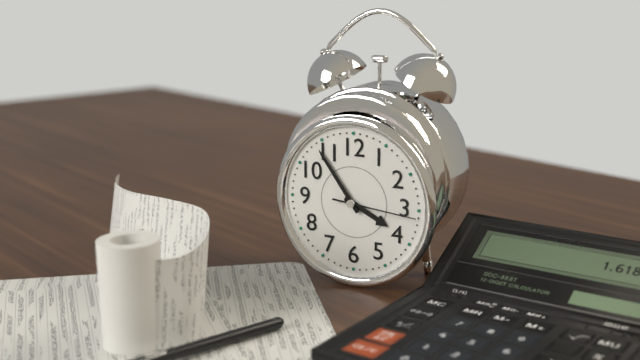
3:54:16
